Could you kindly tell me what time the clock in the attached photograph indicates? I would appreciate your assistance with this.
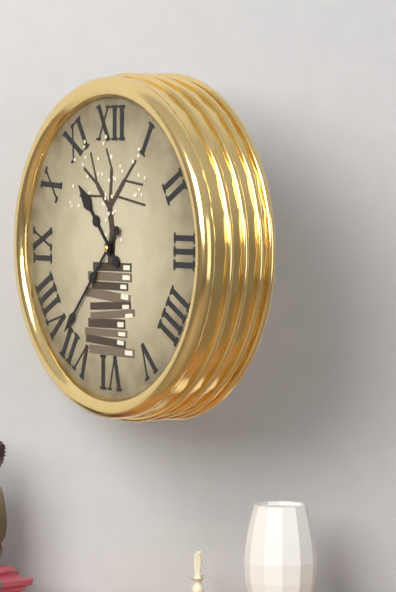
10:37
